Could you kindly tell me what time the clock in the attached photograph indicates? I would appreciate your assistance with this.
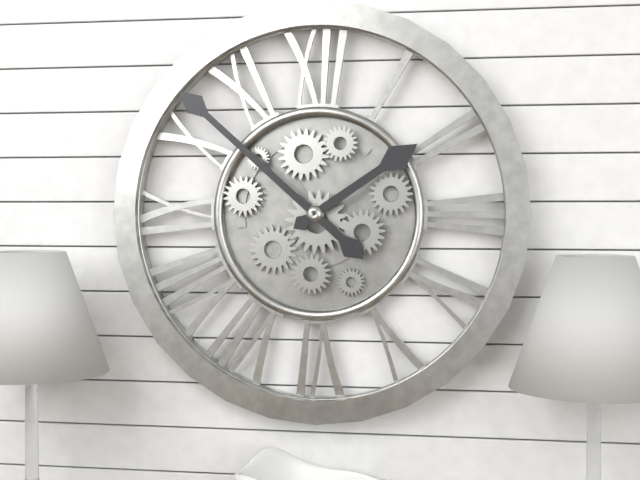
1:52
